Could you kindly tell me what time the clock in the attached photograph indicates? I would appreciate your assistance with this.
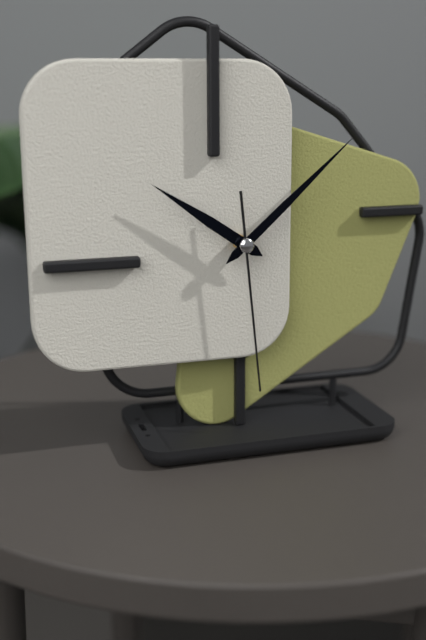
10:08:29
